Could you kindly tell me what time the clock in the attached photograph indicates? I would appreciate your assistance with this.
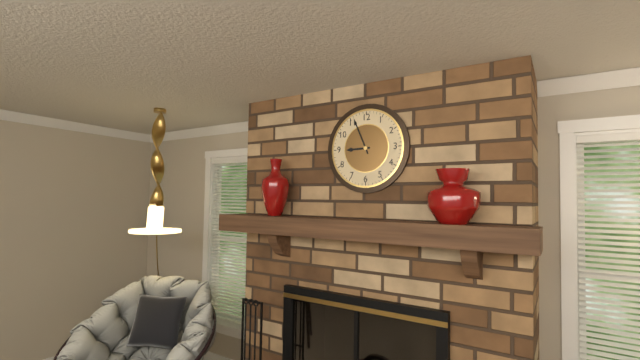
8:56
